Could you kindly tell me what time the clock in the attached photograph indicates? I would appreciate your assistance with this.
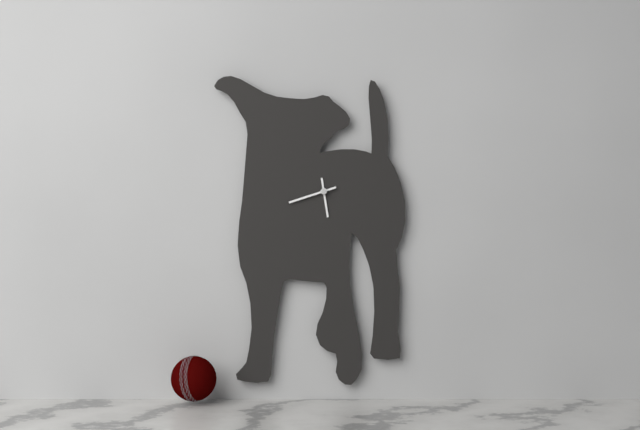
5:42
